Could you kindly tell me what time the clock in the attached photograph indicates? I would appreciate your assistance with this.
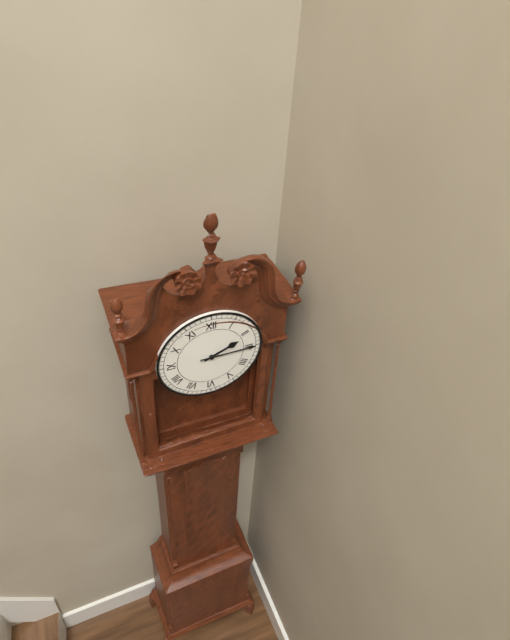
2:15
